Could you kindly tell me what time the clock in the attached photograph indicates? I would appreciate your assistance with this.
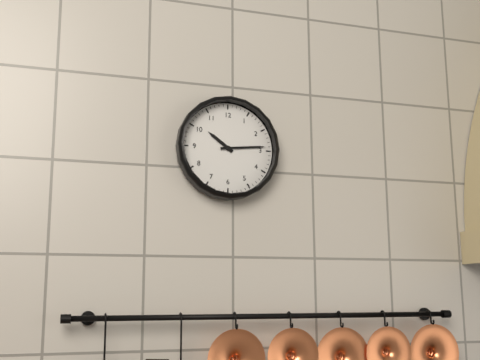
10:14
